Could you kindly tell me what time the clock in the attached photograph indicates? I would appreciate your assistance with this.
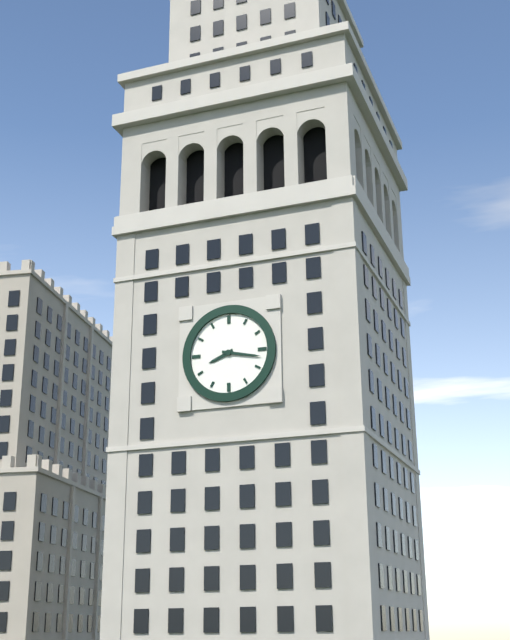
8:17
